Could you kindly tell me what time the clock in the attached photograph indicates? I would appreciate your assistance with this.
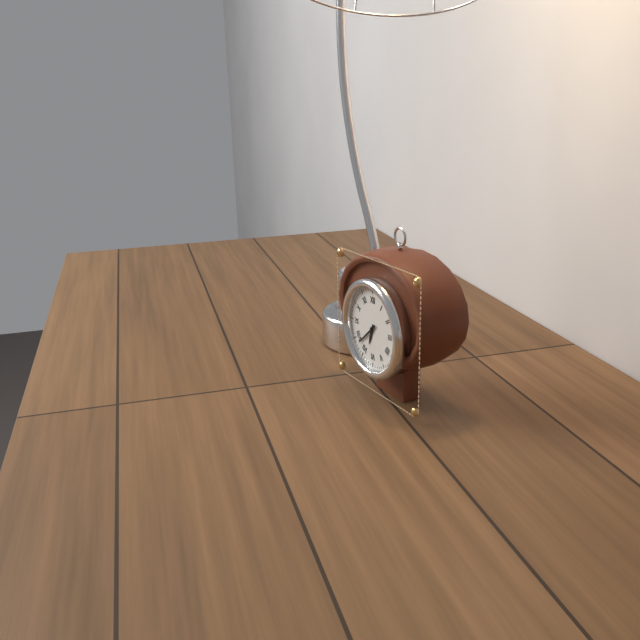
6:38
